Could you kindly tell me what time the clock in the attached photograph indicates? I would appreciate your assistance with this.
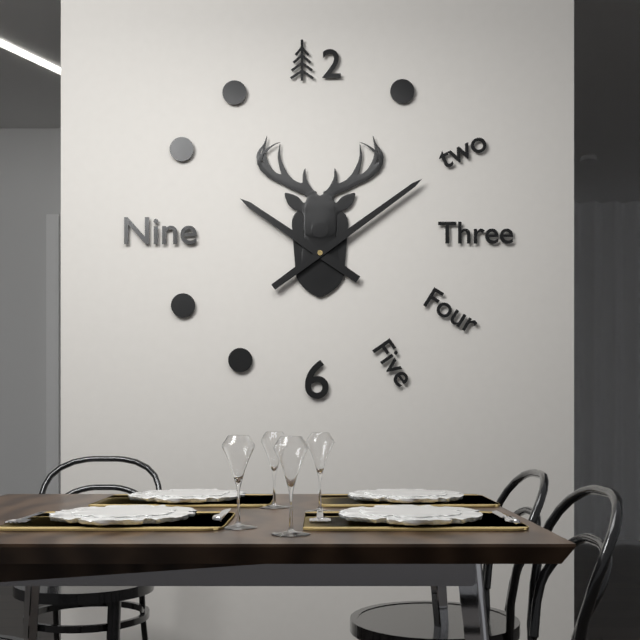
10:09
